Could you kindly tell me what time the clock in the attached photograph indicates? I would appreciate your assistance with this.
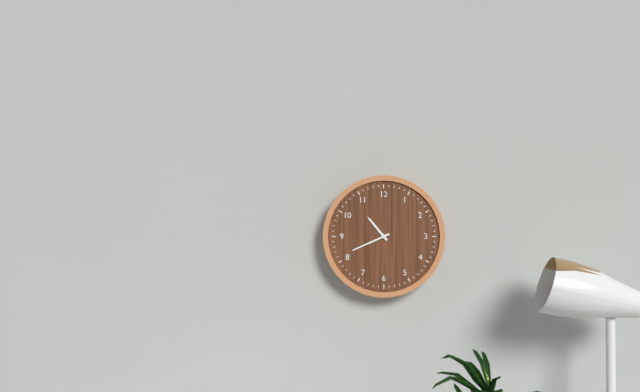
10:41
